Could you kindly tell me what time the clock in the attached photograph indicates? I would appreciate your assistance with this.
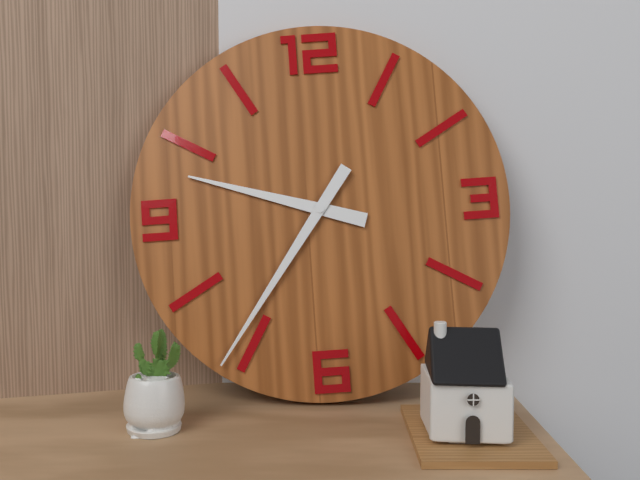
9:36
